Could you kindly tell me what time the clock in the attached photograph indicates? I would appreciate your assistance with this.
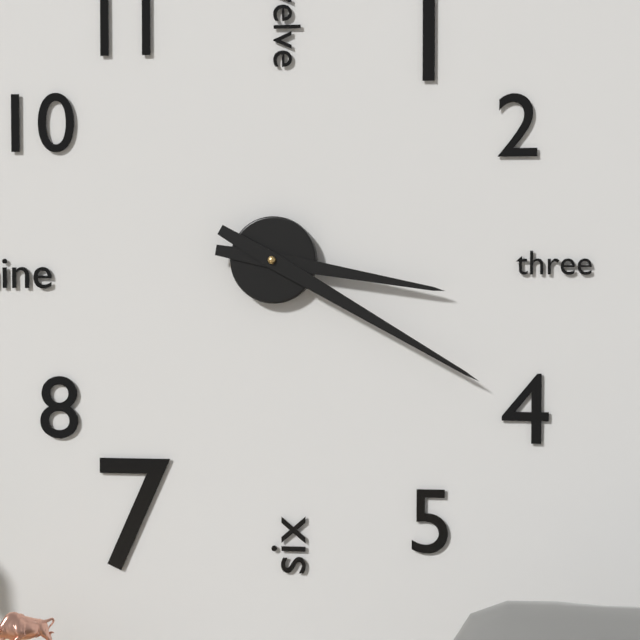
3:20
